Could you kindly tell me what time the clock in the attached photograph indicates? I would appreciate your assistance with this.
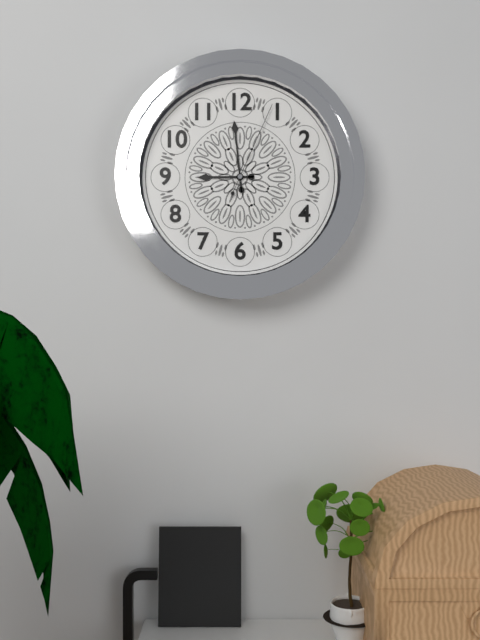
8:59:04
